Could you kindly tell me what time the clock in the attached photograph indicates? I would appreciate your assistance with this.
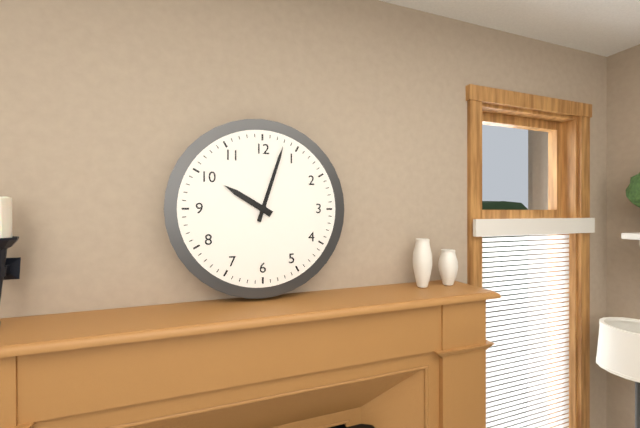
10:03
